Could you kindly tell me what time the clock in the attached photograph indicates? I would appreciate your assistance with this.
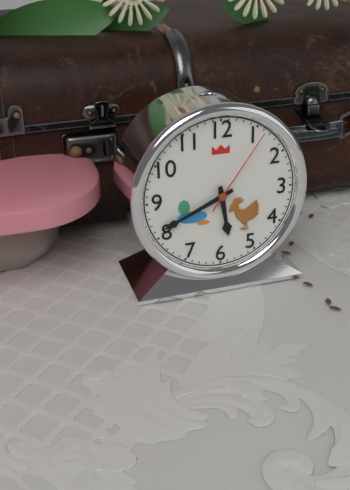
5:41:06
